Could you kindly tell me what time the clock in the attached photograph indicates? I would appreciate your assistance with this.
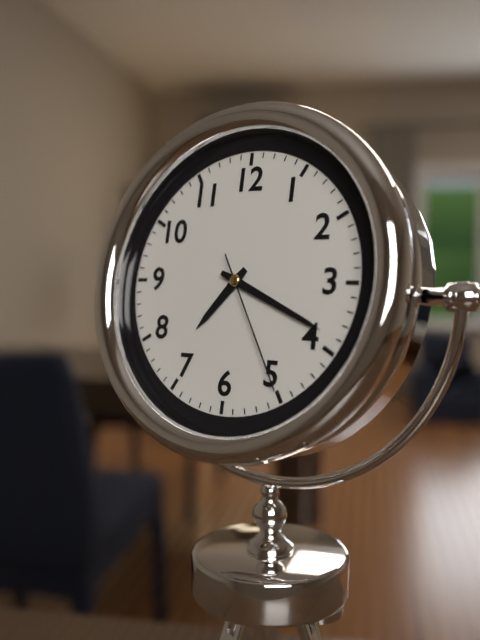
7:19:25
